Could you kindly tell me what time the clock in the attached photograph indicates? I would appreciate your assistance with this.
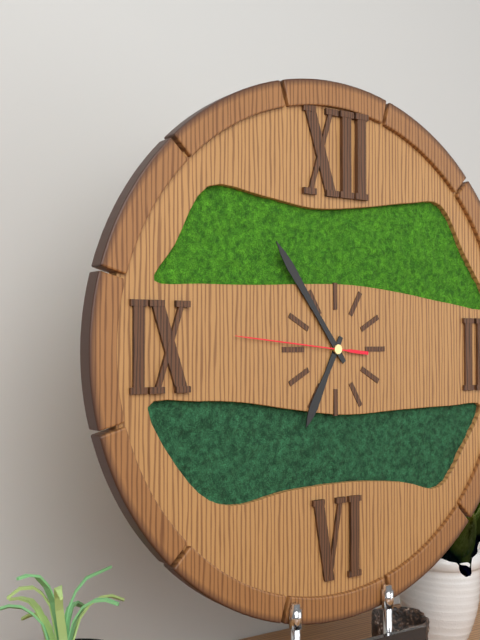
6:54:46
